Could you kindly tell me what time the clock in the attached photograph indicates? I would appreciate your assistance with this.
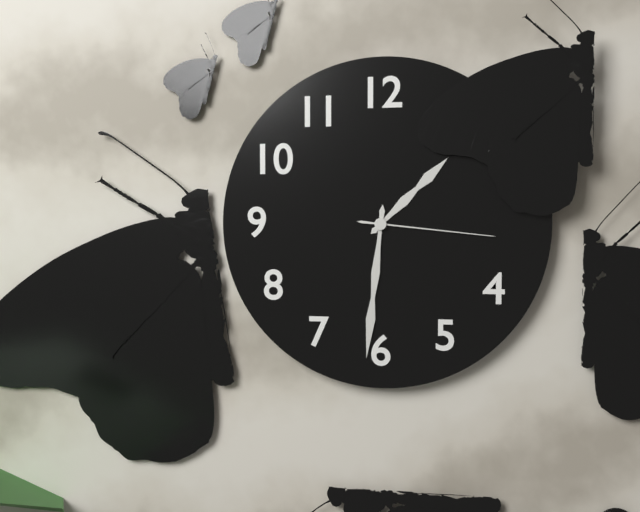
1:31:16
